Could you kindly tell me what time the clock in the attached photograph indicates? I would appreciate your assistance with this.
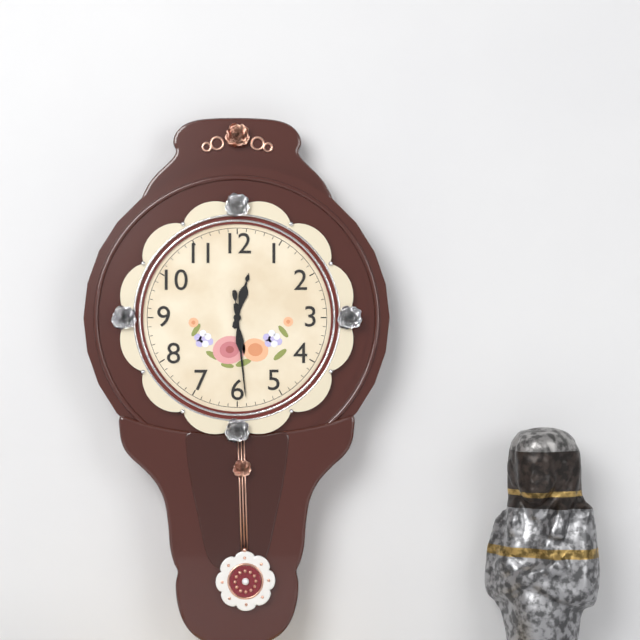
12:29:29
